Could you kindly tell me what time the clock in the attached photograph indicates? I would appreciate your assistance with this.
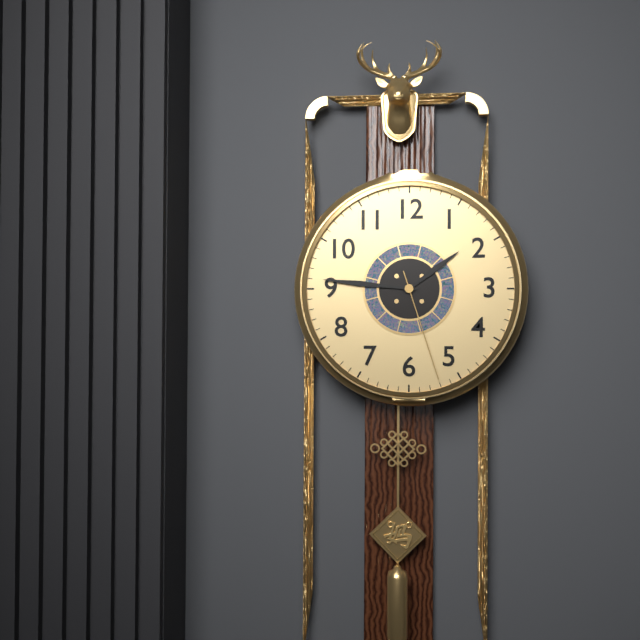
1:46:27
